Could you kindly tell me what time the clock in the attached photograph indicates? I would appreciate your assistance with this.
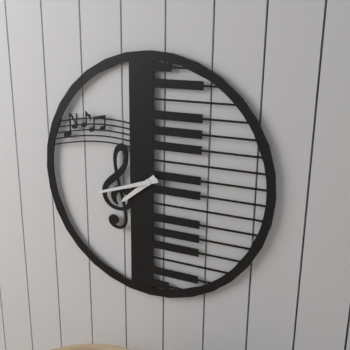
7:42
